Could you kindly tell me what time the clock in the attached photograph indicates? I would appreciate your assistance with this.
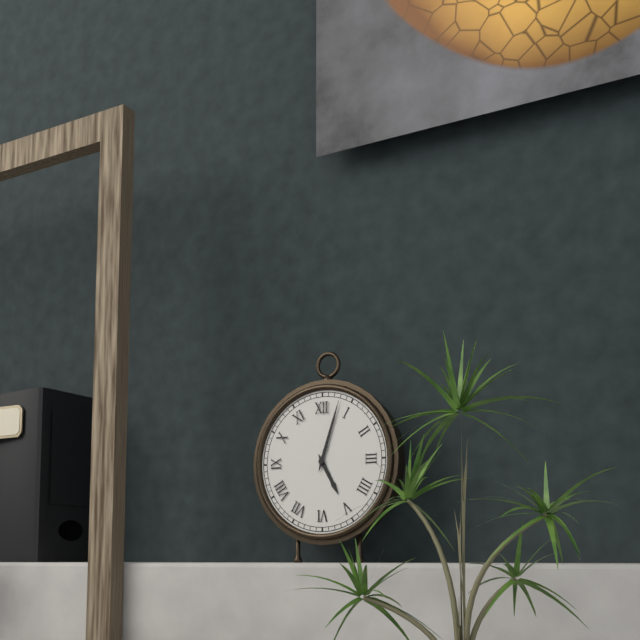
5:03
